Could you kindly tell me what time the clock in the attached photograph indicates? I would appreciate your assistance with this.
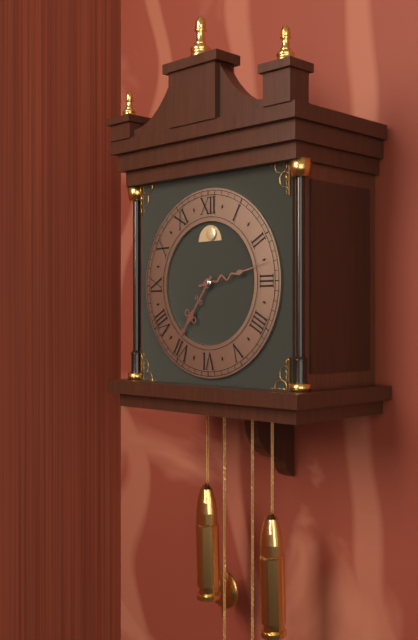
7:13
